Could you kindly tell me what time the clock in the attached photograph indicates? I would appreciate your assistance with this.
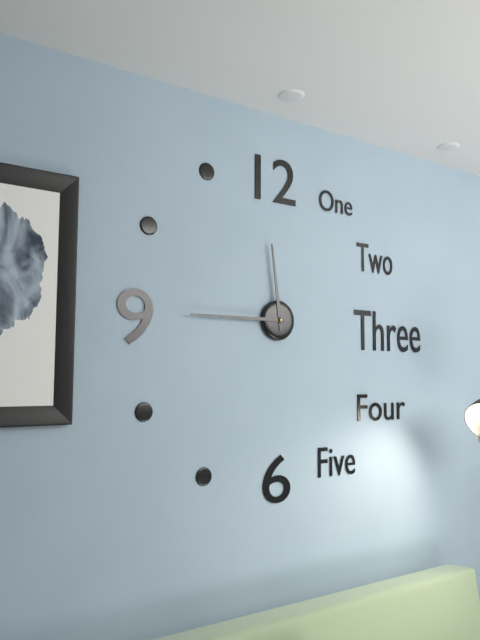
11:45
